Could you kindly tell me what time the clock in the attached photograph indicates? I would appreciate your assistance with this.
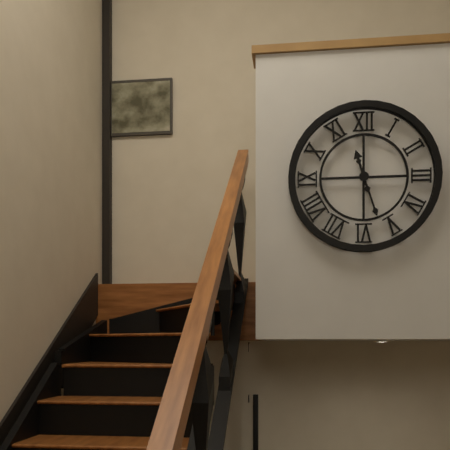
11:27
